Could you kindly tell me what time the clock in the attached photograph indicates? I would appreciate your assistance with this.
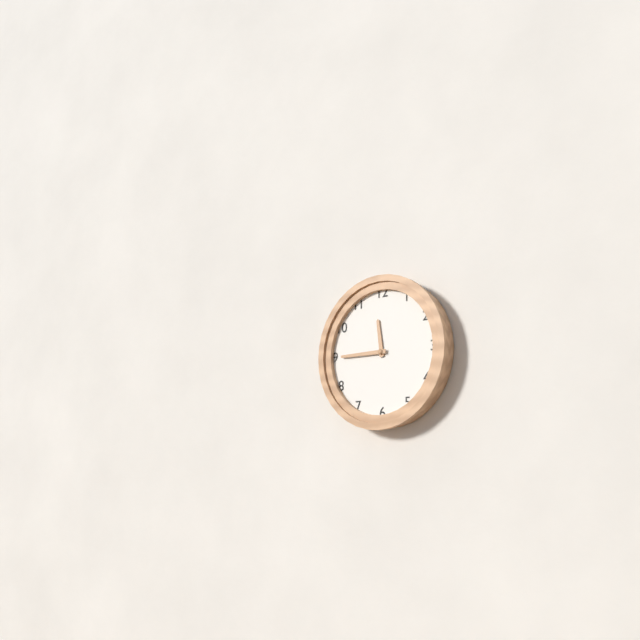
11:45
